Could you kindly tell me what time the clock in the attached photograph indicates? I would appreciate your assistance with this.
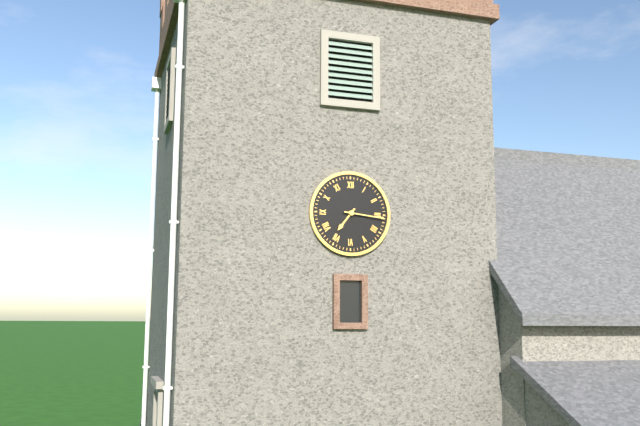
7:16
